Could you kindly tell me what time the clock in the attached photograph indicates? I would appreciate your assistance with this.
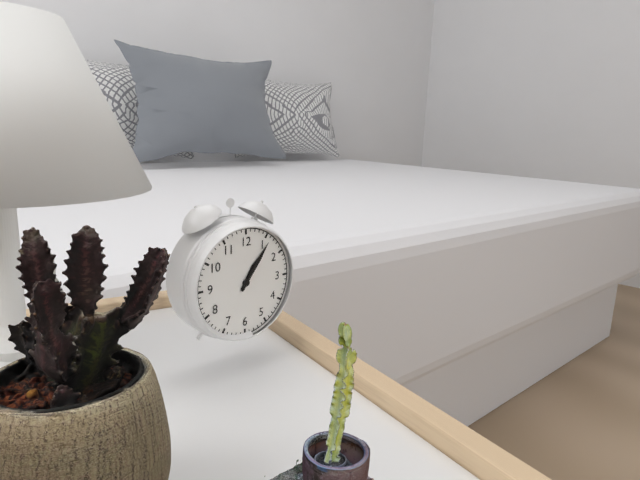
1:06
